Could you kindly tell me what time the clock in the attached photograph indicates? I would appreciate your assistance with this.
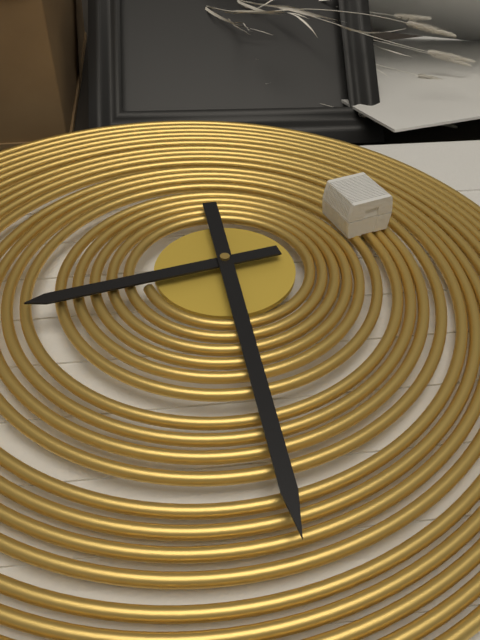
8:29
